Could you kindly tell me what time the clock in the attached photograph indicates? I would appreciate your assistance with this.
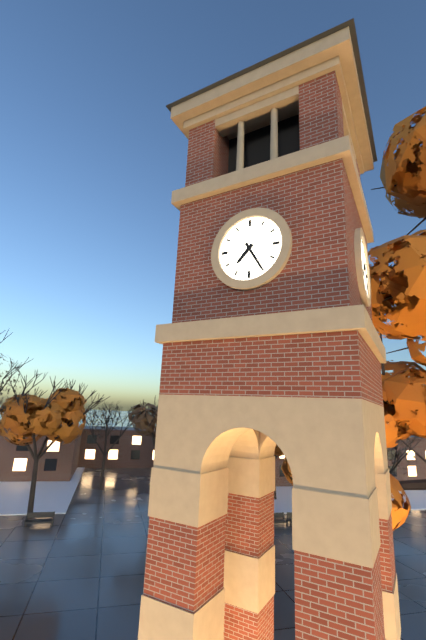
7:25
